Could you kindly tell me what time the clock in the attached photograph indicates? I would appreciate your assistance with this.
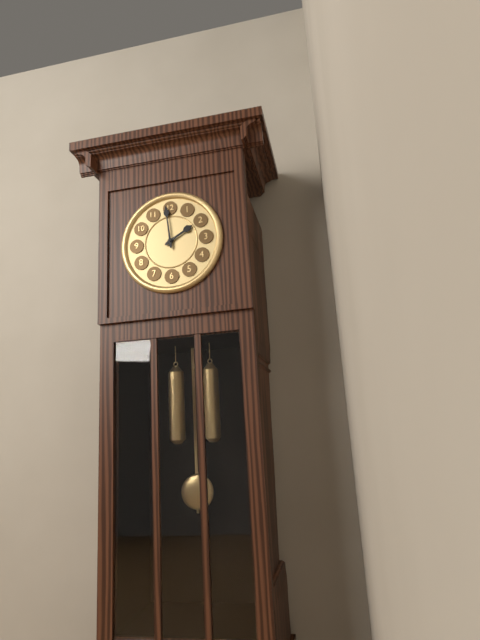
1:59
